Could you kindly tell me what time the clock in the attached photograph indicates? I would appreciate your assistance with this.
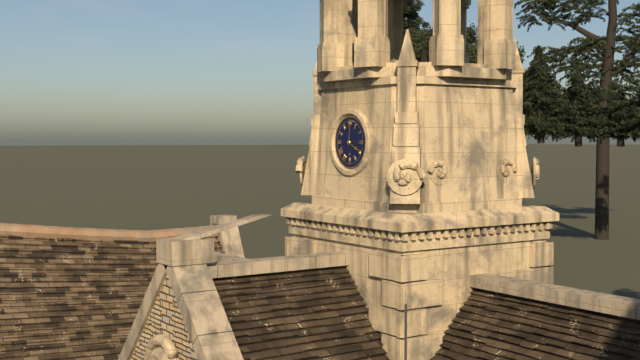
4:01
